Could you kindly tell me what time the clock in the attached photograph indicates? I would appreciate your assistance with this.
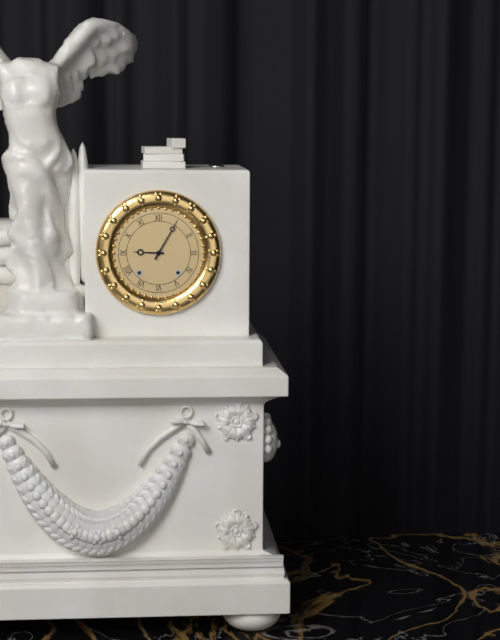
9:05
